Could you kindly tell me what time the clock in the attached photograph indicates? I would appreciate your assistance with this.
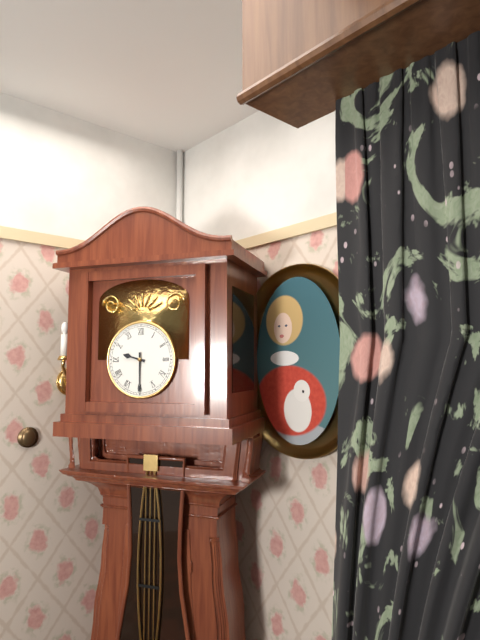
9:30
